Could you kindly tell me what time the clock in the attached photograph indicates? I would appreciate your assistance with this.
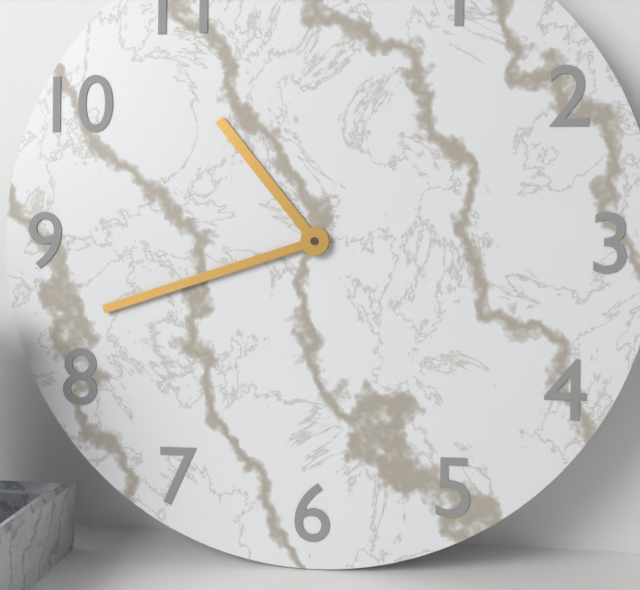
10:42
